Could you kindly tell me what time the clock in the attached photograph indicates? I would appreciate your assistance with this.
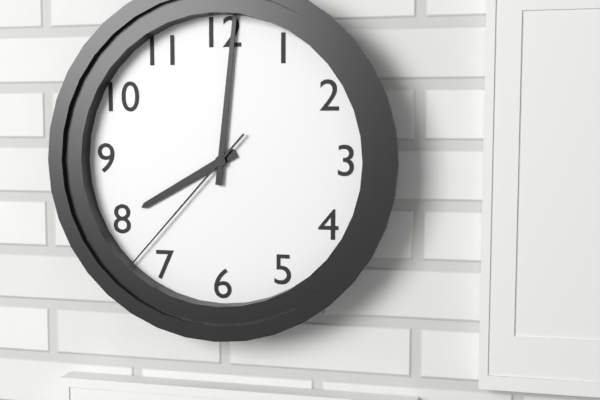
8:01:37
